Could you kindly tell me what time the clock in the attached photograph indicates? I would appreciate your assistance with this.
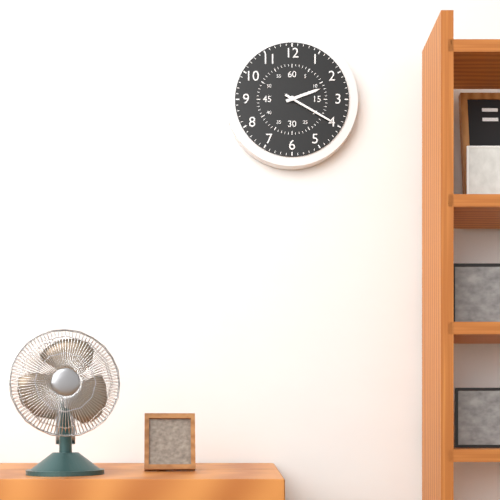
2:20
